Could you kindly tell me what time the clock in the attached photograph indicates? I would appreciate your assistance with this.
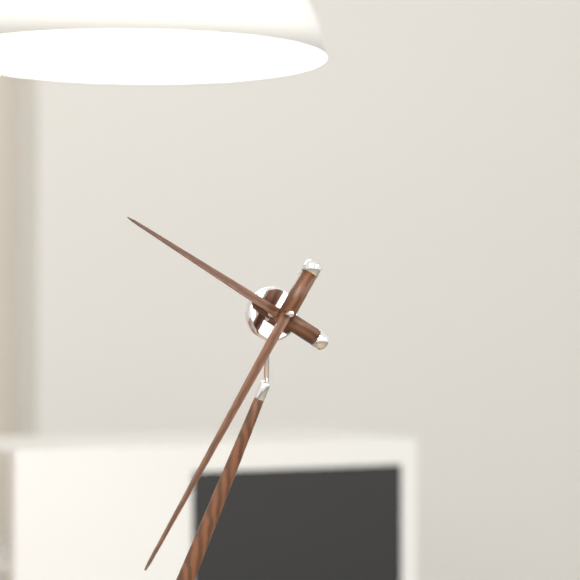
9:33
